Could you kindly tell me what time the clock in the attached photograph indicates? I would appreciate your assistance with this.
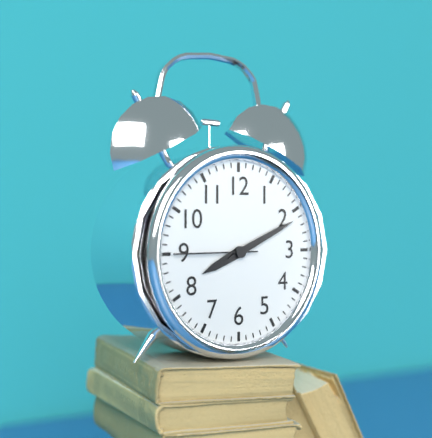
8:11:45
